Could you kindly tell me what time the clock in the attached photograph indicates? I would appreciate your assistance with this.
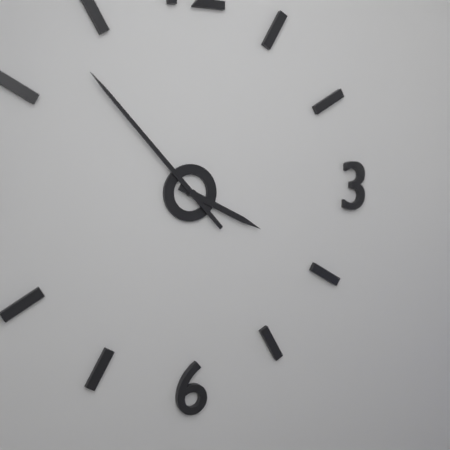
3:53
